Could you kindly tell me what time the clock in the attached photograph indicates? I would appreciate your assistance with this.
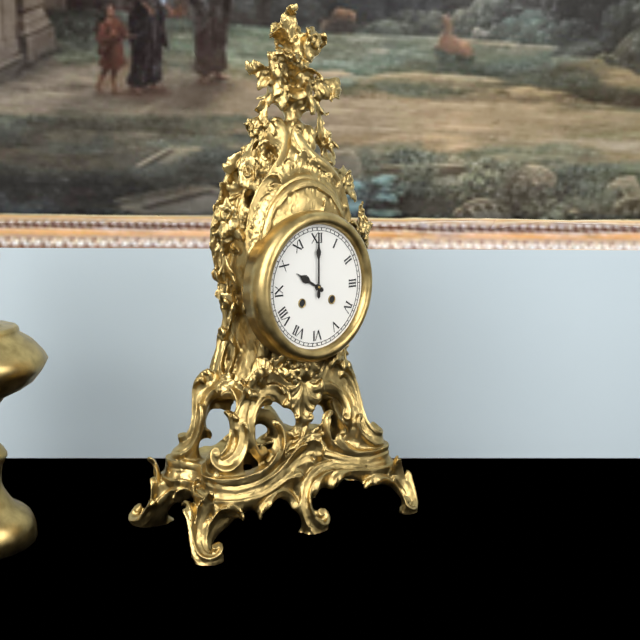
10:00
